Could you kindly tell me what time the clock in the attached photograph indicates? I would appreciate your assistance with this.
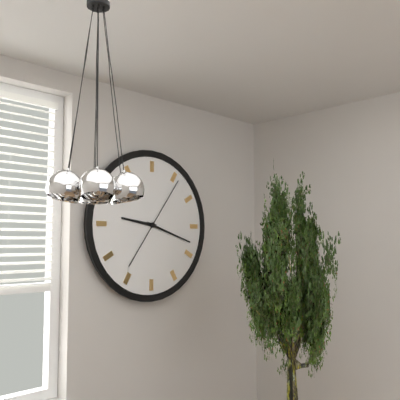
9:18:06
